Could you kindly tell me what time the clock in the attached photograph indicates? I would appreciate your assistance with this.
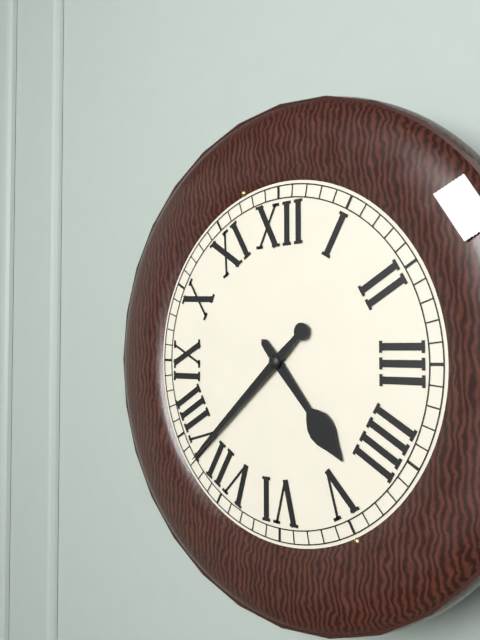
4:38
